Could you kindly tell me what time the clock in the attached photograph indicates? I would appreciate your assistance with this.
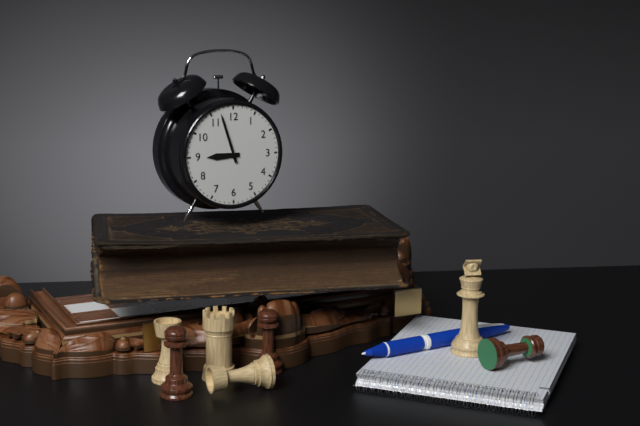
8:57
